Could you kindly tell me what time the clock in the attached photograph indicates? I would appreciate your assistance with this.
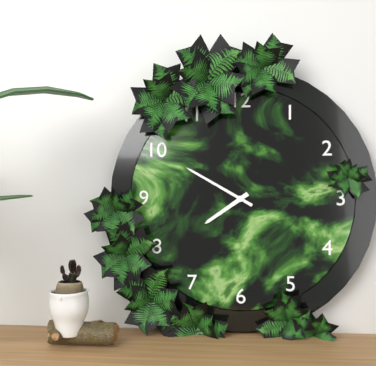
7:50
